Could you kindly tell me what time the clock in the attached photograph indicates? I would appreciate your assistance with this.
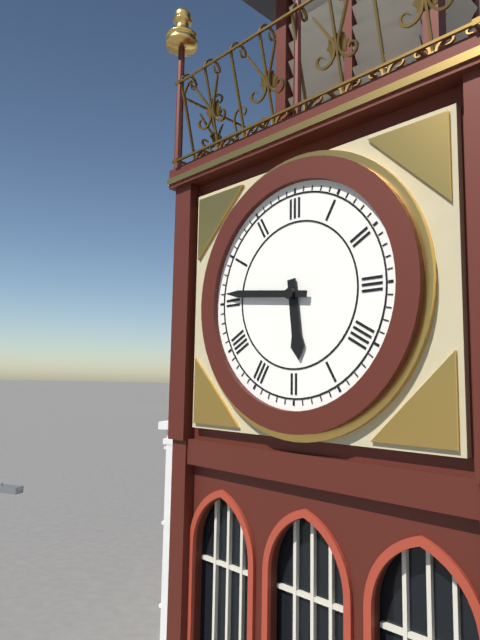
5:46
